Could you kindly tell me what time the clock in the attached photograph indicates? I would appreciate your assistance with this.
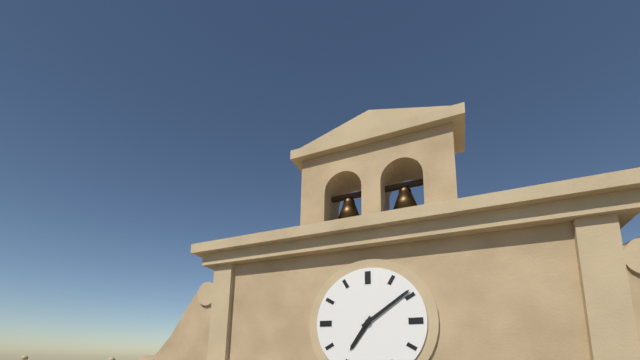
7:09
